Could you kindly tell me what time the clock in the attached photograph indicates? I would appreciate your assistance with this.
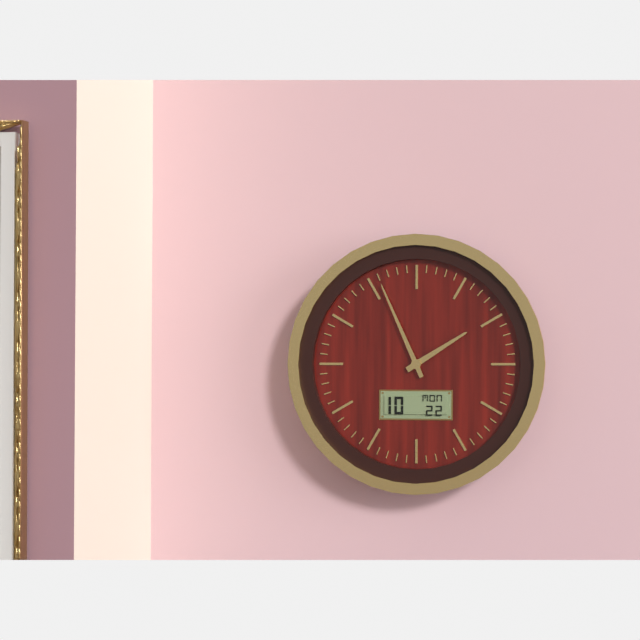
1:56
